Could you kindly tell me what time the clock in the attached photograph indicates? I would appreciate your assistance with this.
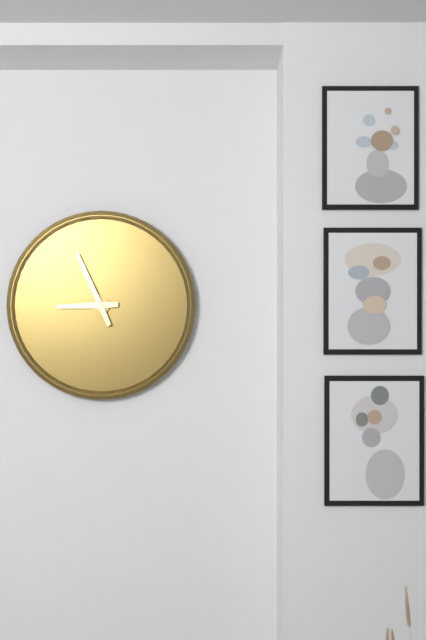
8:56
